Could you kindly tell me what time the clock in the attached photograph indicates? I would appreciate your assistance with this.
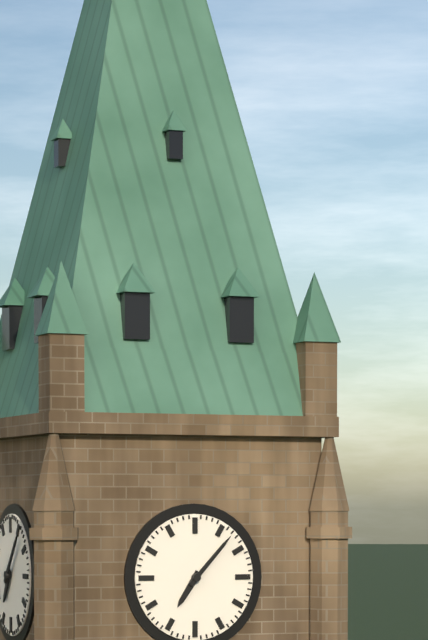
7:07
